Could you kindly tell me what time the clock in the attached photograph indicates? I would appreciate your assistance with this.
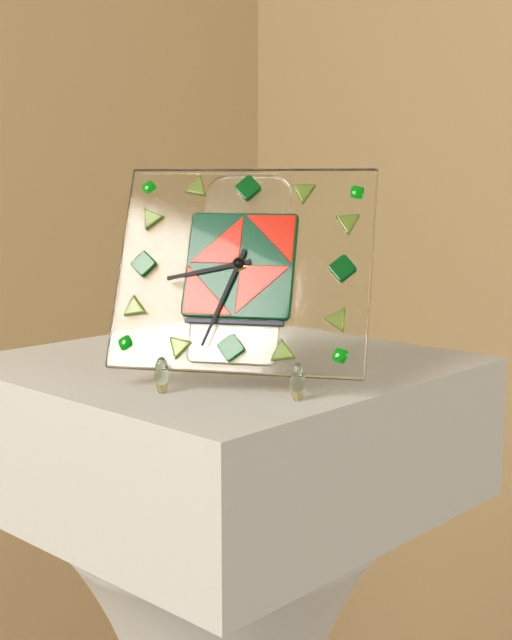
8:33
